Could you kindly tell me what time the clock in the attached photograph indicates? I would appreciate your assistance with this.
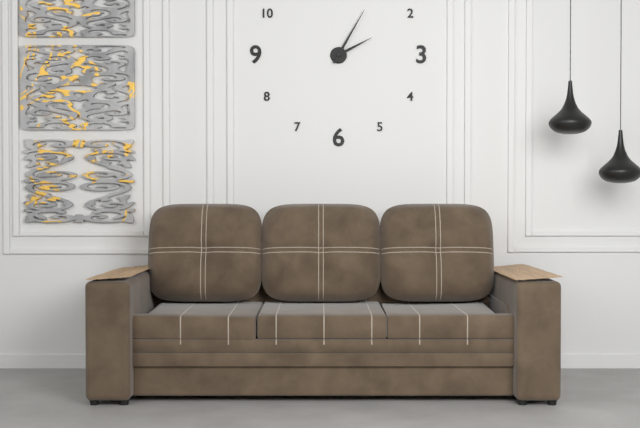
2:05
